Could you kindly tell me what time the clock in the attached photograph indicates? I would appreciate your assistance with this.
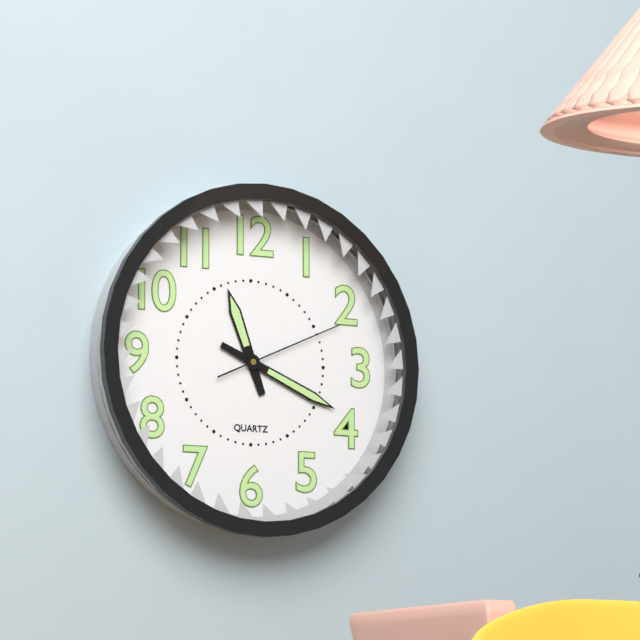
11:19:11
